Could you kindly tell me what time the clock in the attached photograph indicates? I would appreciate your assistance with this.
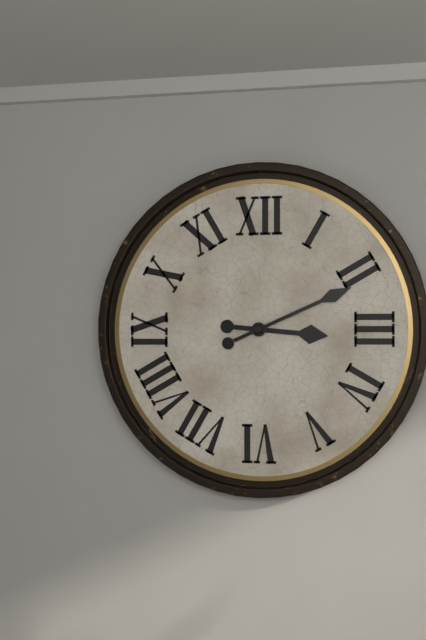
3:11
